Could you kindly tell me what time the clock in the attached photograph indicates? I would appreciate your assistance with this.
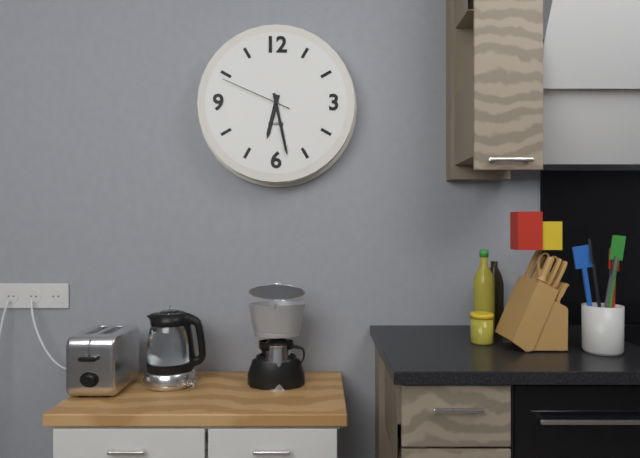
6:28:49
